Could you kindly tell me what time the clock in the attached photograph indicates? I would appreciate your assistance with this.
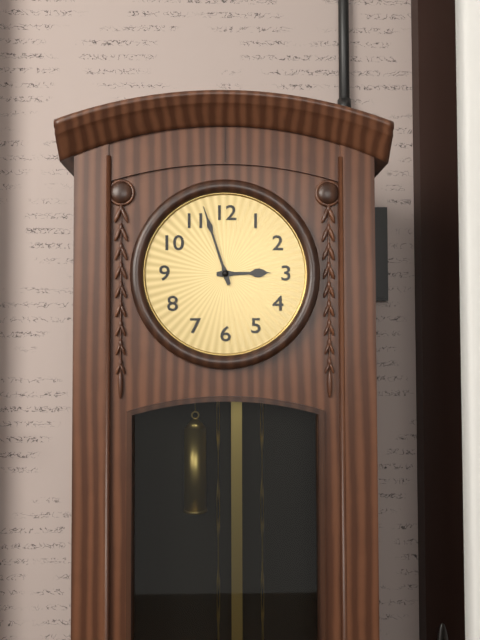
2:57
